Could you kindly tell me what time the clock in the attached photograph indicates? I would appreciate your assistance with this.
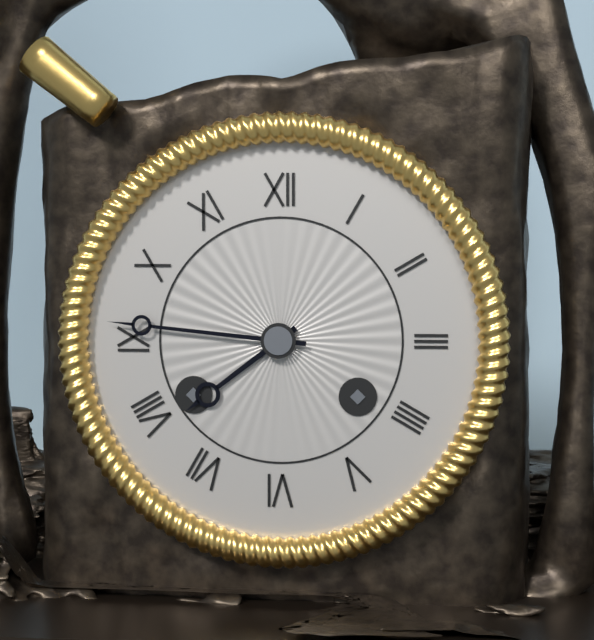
7:46
